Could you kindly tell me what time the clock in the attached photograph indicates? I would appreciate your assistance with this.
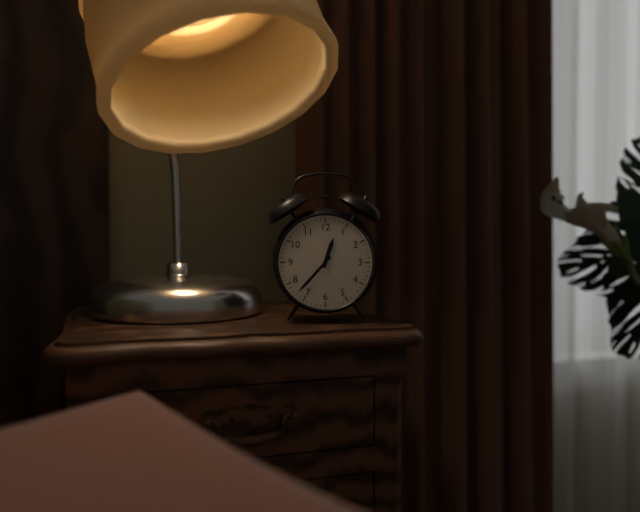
12:37
